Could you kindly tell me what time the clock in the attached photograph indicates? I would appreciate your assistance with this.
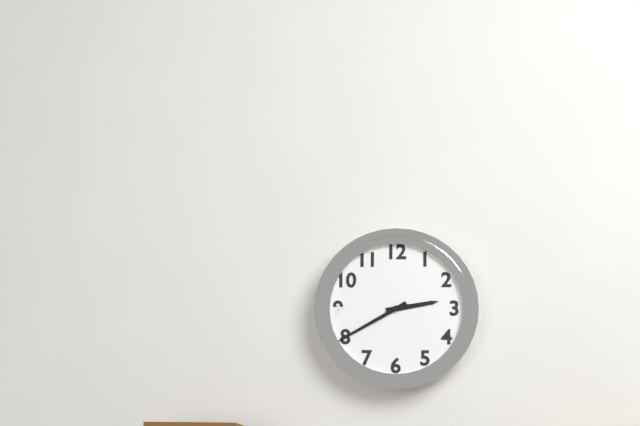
2:40
